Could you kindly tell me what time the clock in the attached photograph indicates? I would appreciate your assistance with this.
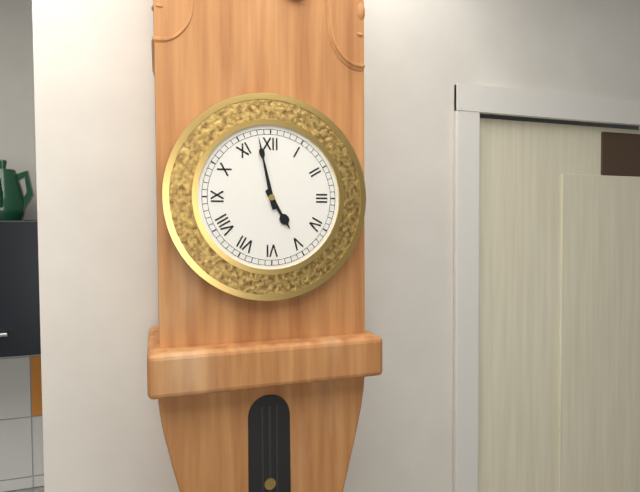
4:58
